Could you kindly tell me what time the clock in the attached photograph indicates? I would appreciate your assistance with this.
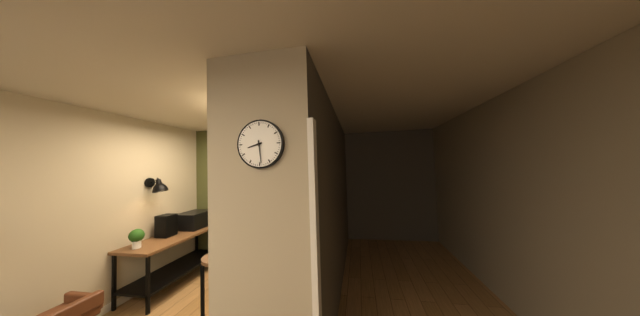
8:29
